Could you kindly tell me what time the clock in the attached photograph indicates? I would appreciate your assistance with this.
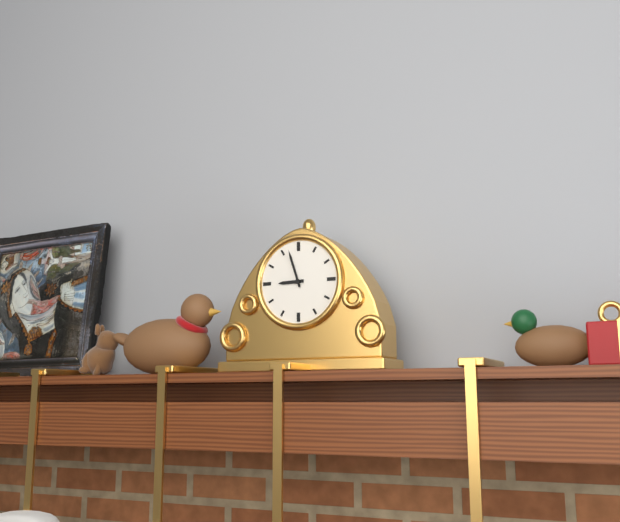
8:57
